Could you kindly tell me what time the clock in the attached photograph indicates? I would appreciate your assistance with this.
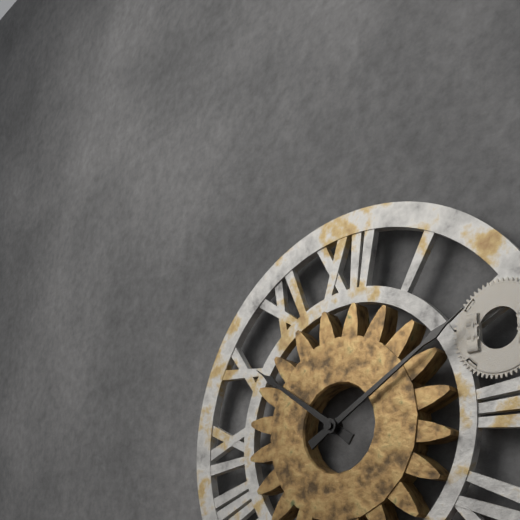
10:10
